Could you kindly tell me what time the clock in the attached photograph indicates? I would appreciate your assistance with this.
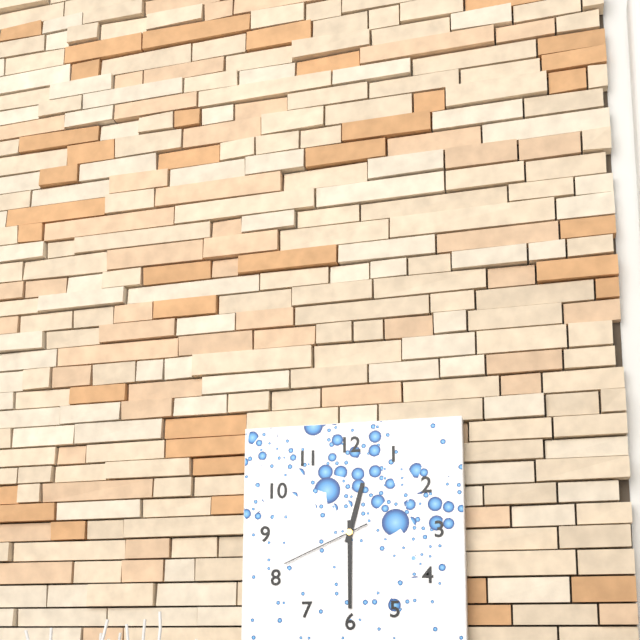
12:30:41
